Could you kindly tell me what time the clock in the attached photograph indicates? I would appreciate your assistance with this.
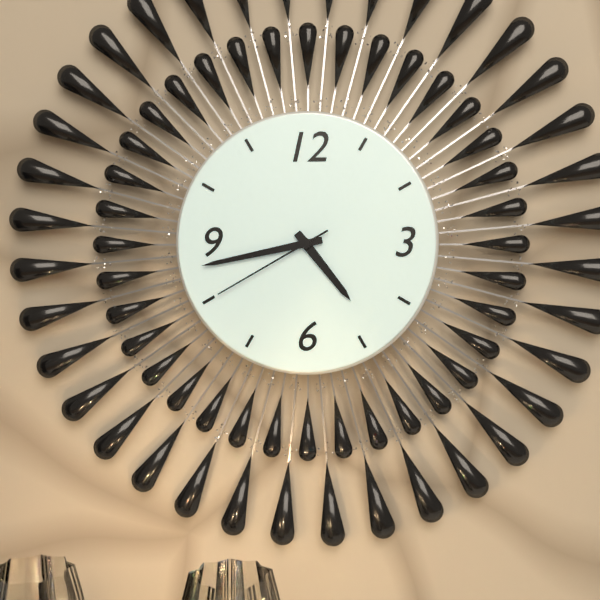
4:43:40
